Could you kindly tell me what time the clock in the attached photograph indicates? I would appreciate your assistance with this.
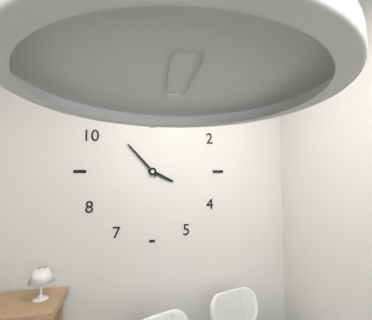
3:53
